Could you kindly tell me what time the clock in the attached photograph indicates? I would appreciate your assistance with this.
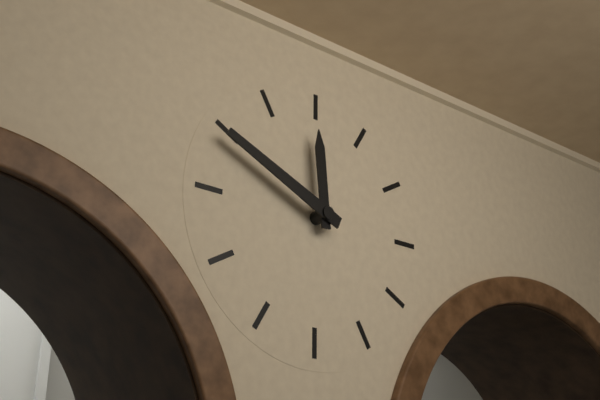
11:49
